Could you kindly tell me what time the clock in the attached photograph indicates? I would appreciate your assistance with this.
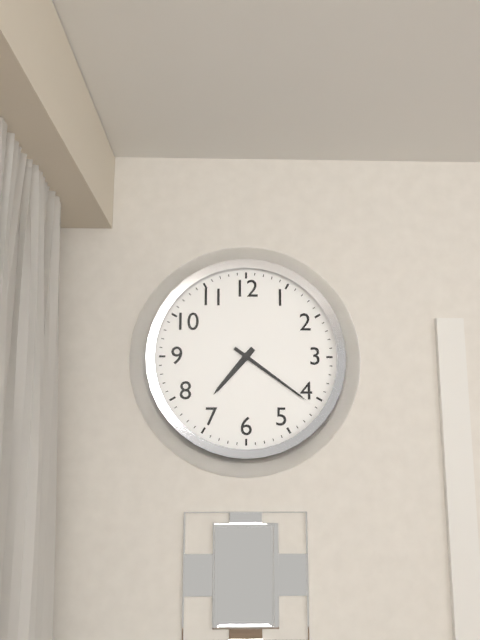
7:21
